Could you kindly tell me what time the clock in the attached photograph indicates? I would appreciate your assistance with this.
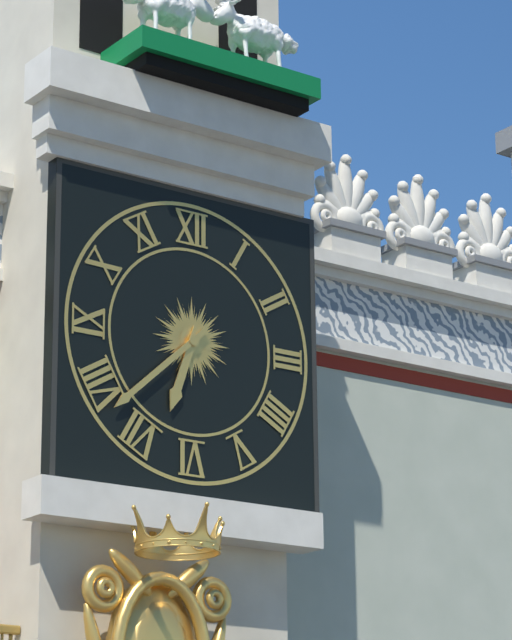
6:38
